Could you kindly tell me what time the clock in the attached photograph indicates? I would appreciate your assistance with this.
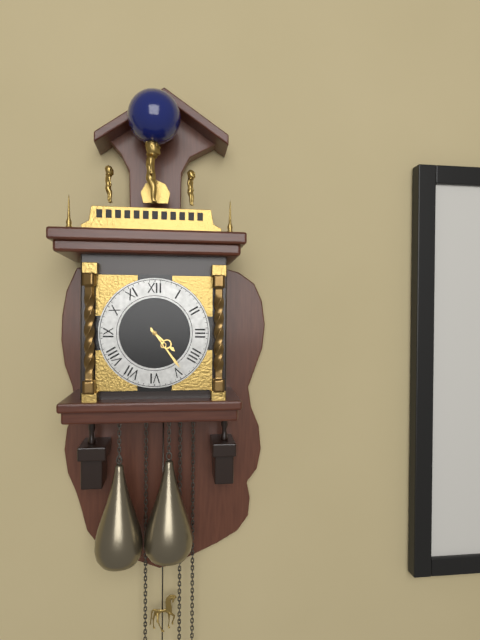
4:24
